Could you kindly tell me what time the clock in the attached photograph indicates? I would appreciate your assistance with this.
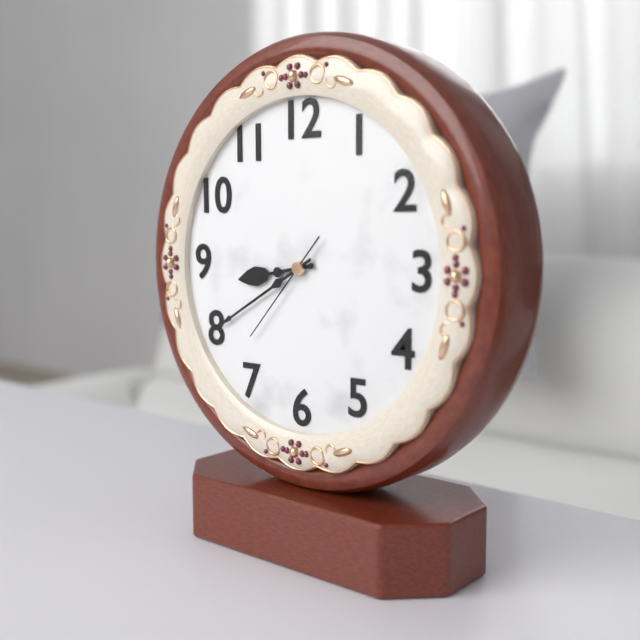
8:40:37
